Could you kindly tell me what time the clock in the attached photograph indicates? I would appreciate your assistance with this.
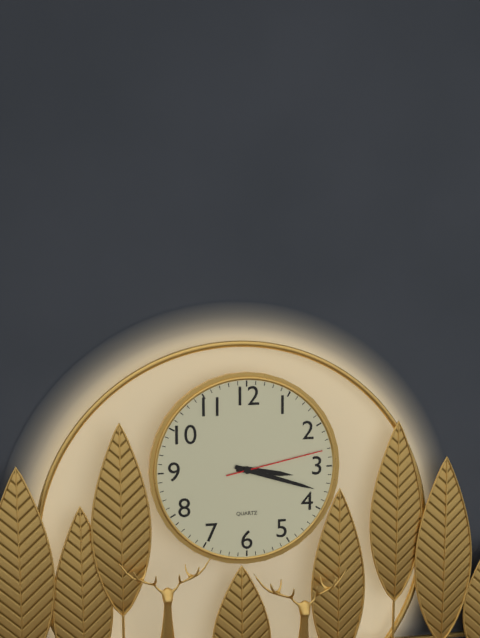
3:18:13
